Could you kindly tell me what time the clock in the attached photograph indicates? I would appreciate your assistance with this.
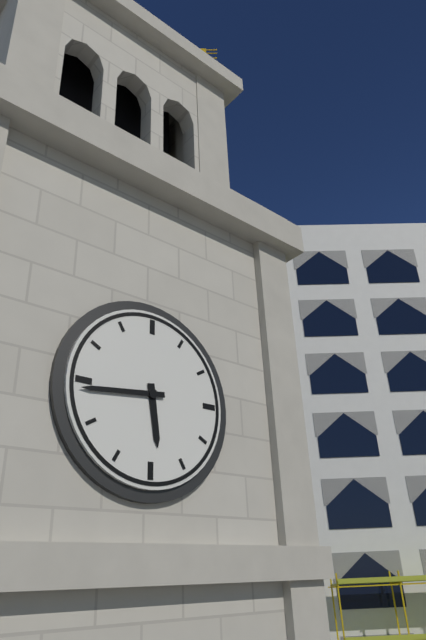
5:44
